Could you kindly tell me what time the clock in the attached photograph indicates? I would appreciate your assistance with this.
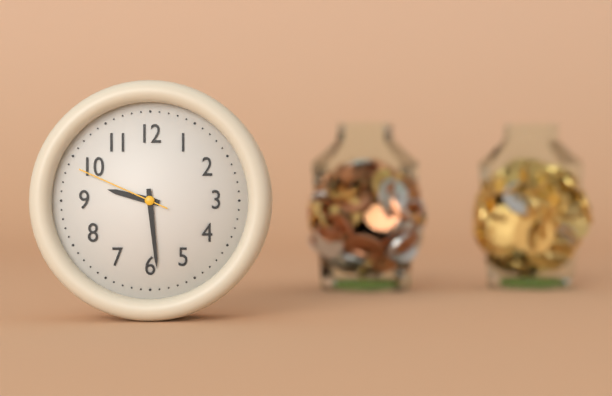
9:29:49
